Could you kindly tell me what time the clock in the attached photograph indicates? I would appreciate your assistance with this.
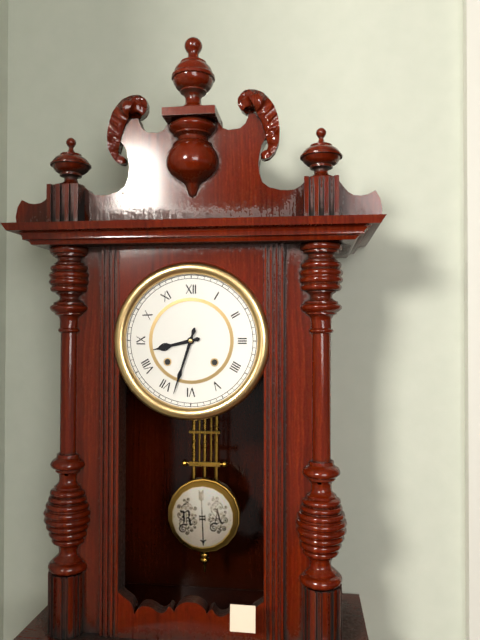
8:33
